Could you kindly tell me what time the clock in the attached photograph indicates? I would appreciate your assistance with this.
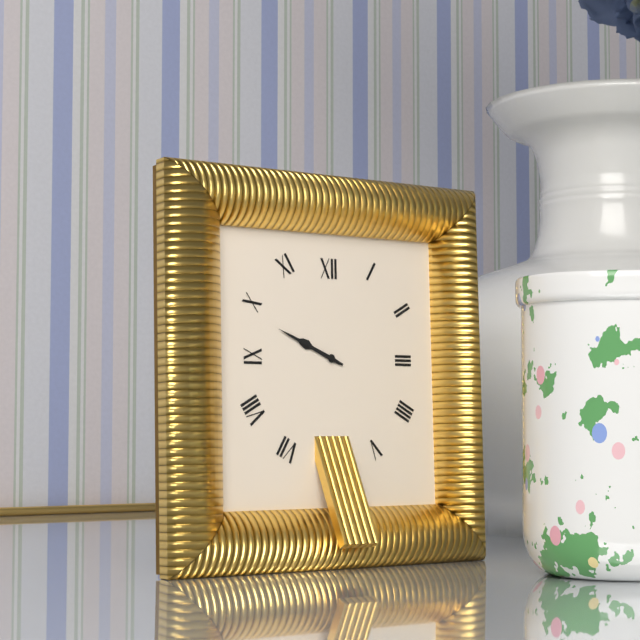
9:49
